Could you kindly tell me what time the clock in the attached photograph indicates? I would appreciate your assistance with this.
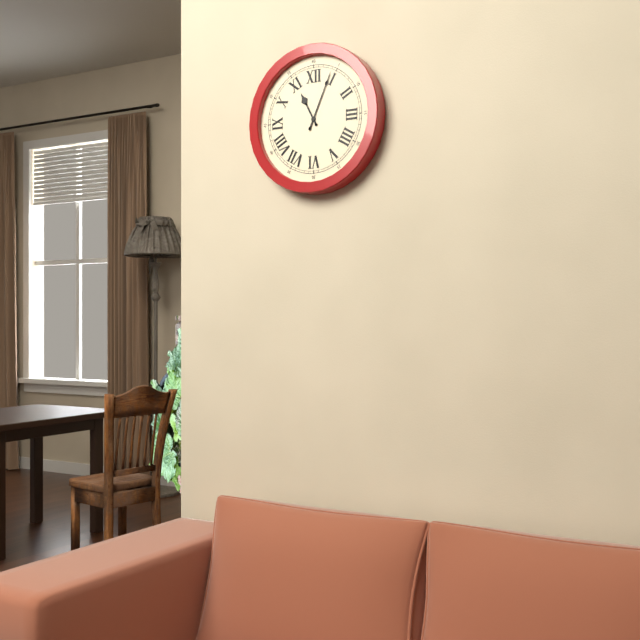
11:04
